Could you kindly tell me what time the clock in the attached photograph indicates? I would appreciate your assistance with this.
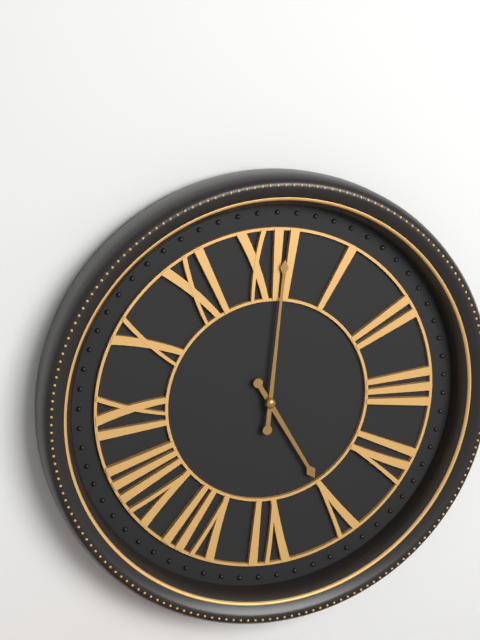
5:01
